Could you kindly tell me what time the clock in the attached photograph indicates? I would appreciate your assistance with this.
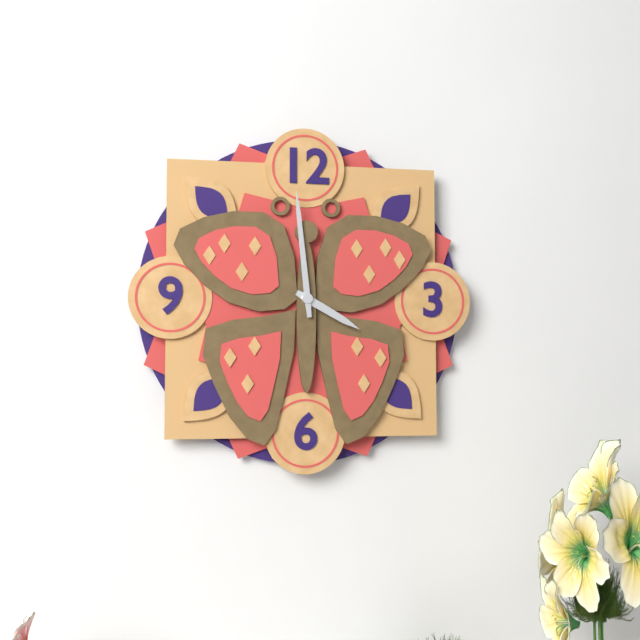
3:59
